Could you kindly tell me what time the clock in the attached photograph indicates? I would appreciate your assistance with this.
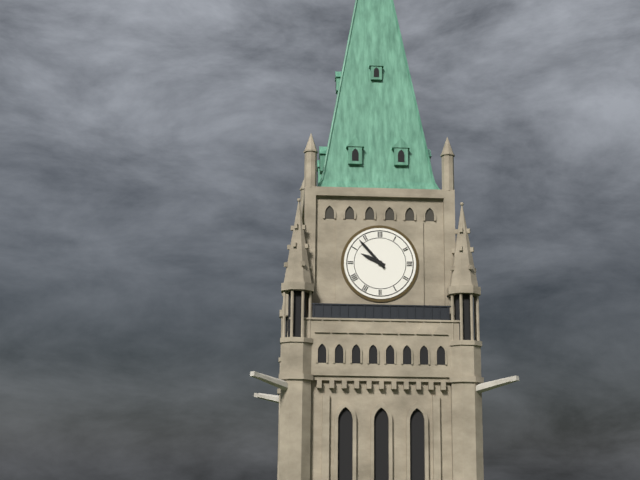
9:53
